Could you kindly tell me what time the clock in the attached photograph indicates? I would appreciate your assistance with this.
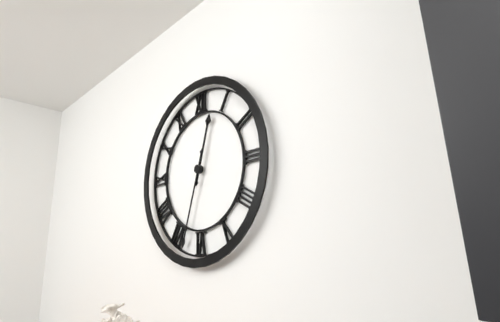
12:33
